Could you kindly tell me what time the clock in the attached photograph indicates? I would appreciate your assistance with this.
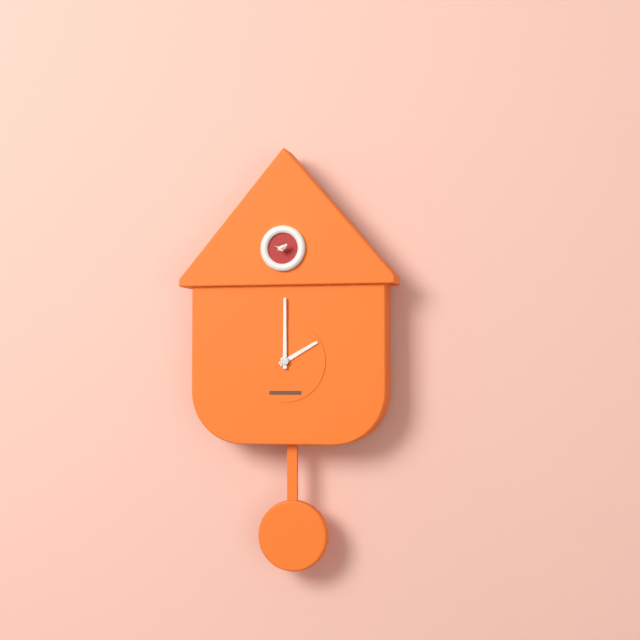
2:00
